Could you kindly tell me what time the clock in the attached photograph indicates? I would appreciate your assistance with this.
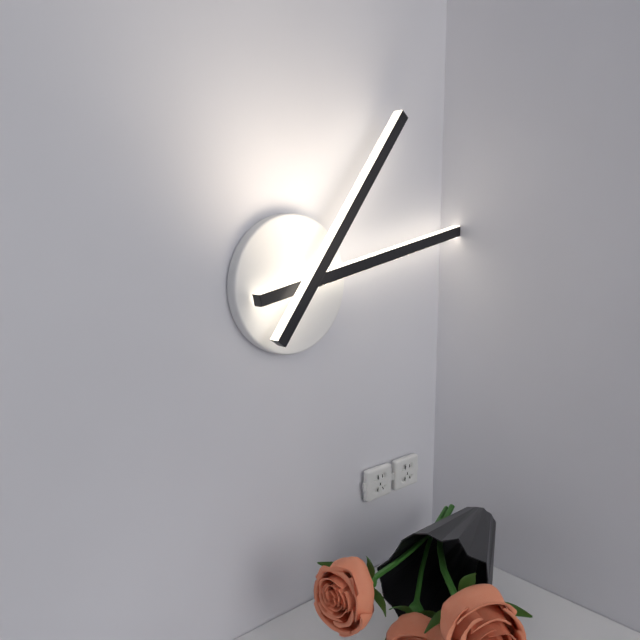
1:13
